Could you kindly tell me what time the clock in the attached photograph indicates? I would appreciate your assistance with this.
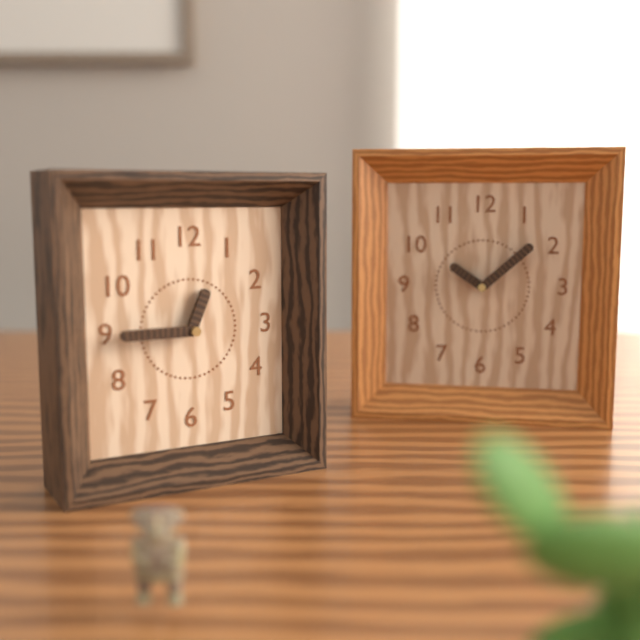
12:45
